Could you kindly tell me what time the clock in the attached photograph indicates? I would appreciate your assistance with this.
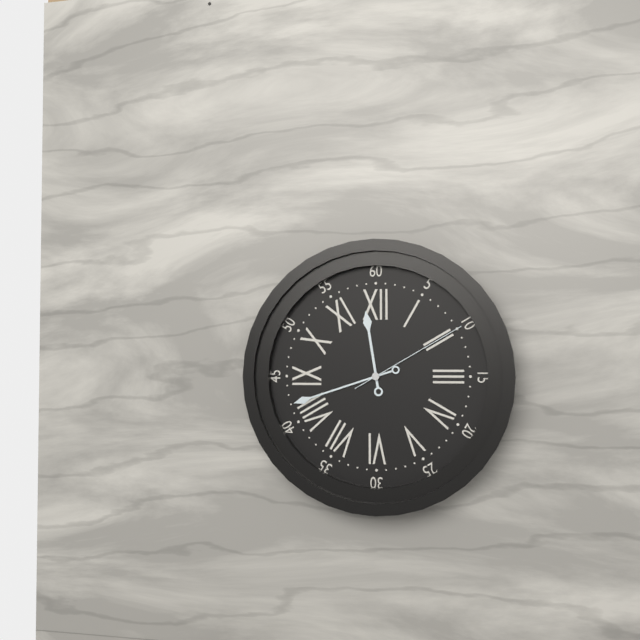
11:42:10
